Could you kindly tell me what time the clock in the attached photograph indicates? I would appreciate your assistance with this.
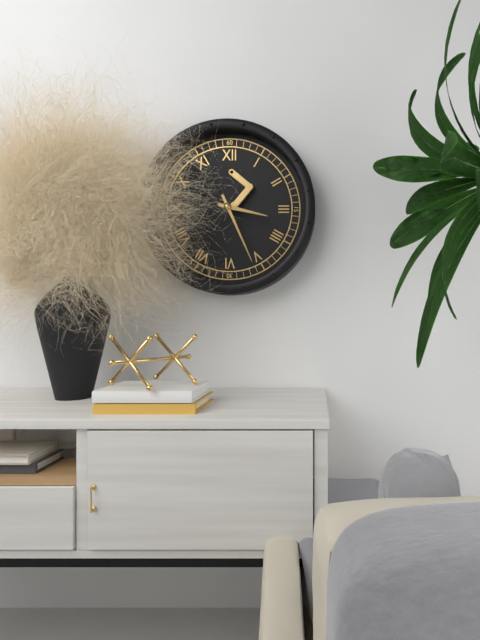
3:26
